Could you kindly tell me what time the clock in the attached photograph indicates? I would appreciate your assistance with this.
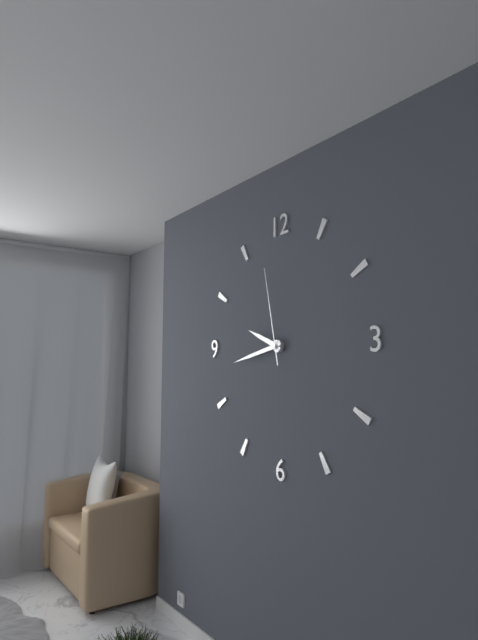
9:43:58
